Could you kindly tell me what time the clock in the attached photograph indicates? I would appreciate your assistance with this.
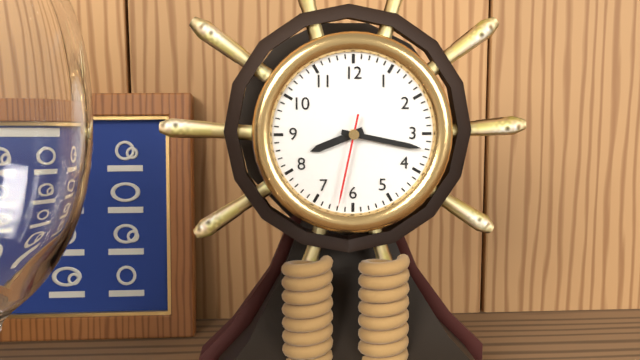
8:17:32
